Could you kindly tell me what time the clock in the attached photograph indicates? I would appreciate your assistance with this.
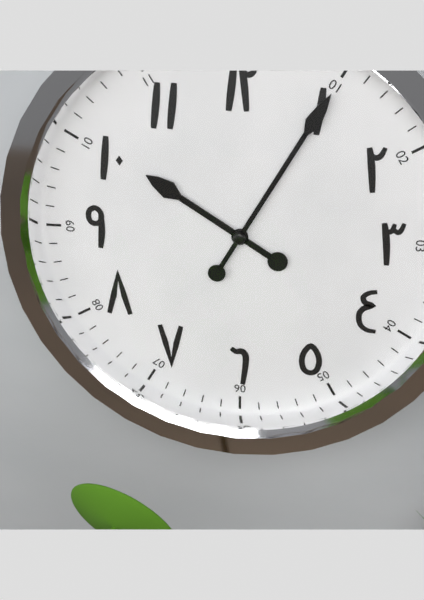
10:05
